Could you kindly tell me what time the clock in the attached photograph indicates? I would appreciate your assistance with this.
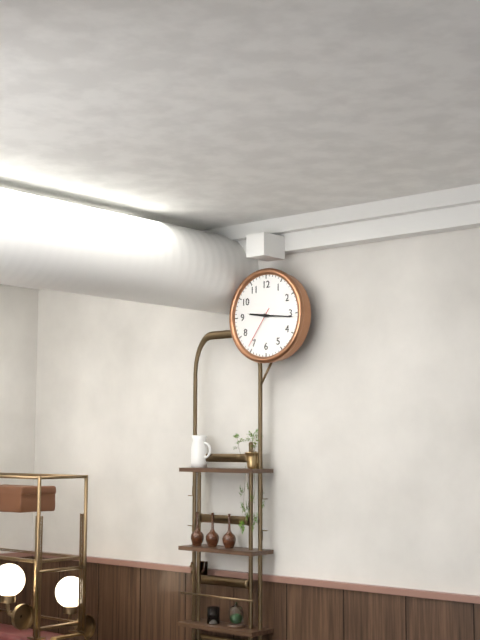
9:16
